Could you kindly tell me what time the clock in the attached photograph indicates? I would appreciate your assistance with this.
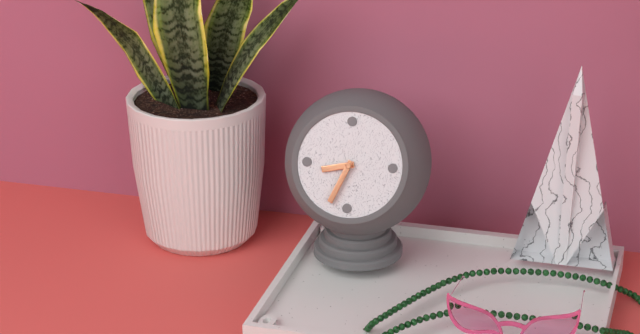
8:34
